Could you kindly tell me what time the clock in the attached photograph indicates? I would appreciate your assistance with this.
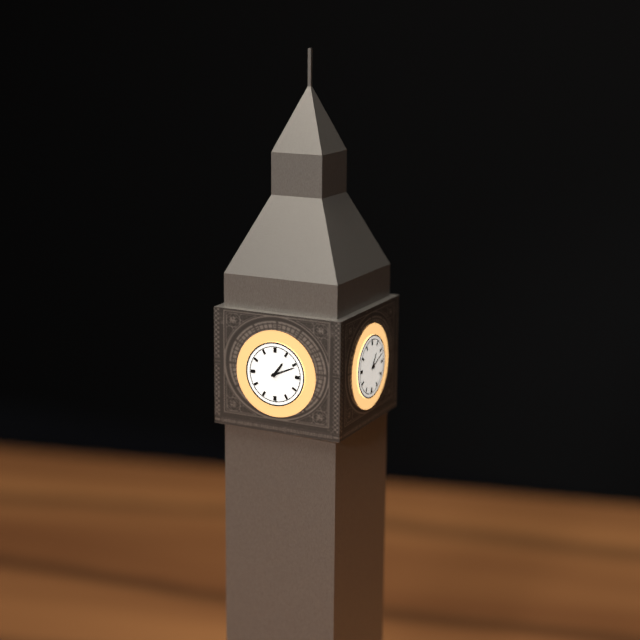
1:11
